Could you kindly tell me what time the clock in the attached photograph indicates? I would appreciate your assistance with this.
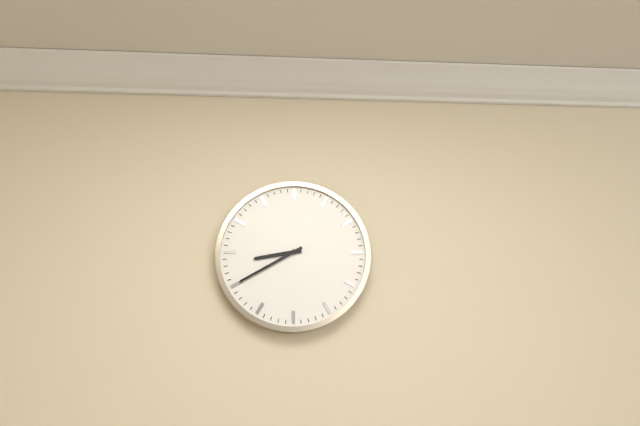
8:40
